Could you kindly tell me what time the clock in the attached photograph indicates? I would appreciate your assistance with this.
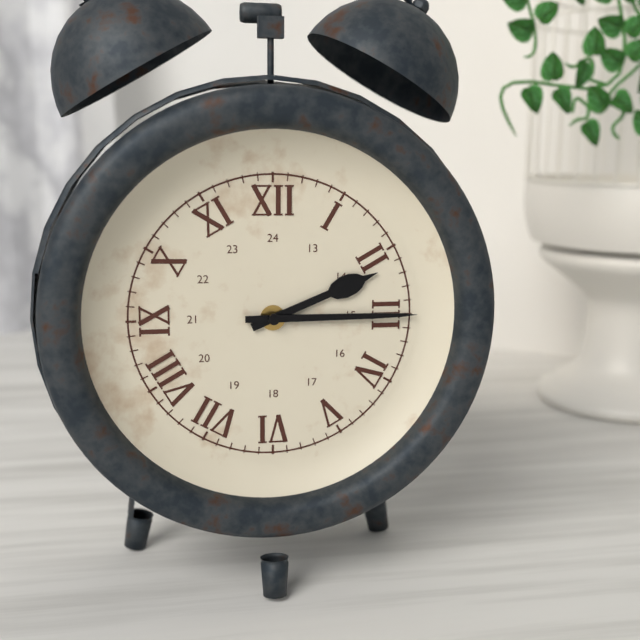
2:15
